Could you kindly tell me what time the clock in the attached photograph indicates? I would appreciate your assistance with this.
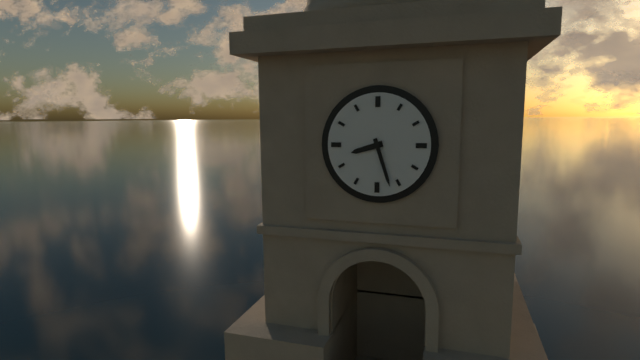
8:27
